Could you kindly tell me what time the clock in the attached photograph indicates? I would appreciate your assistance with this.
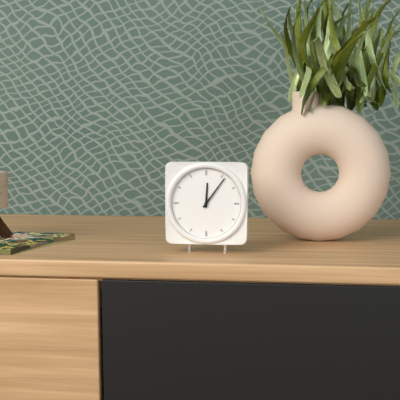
12:06
